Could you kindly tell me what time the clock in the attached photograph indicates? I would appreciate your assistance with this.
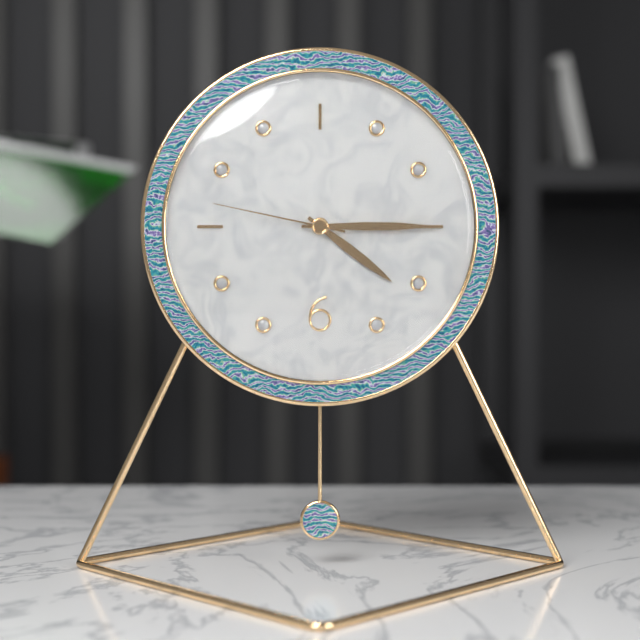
4:15:47
